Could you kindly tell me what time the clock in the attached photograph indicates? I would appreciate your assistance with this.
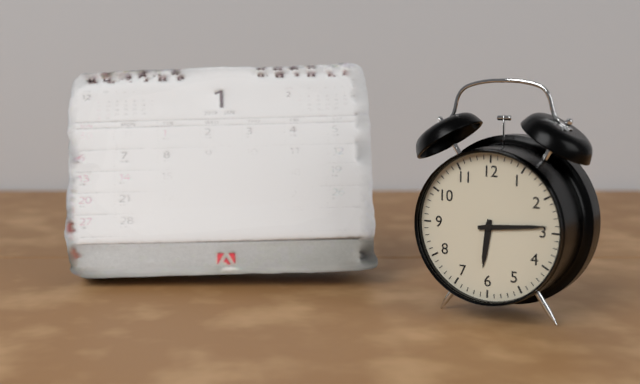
6:14
